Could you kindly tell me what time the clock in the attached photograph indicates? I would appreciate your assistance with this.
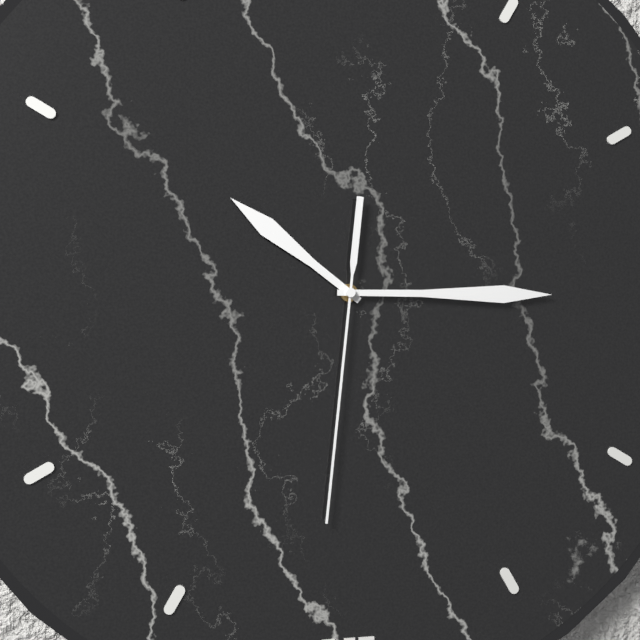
10:15:31
